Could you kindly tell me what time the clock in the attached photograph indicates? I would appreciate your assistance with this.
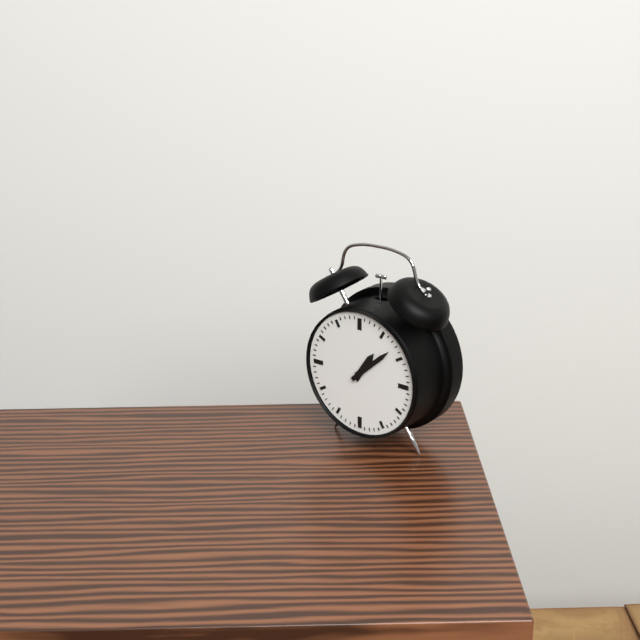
1:08
